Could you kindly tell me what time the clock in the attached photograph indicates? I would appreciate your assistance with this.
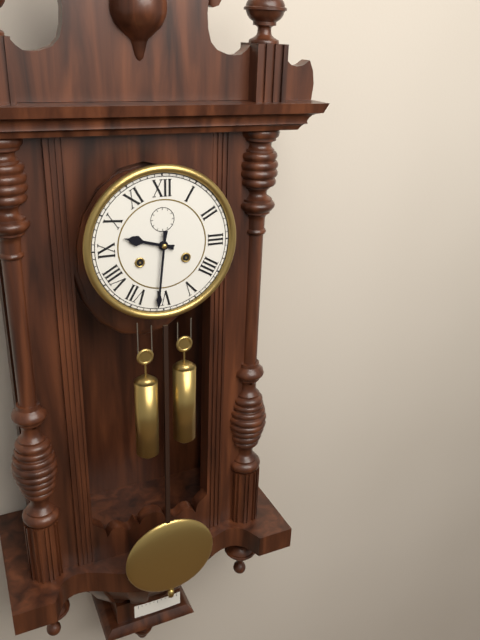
9:31
